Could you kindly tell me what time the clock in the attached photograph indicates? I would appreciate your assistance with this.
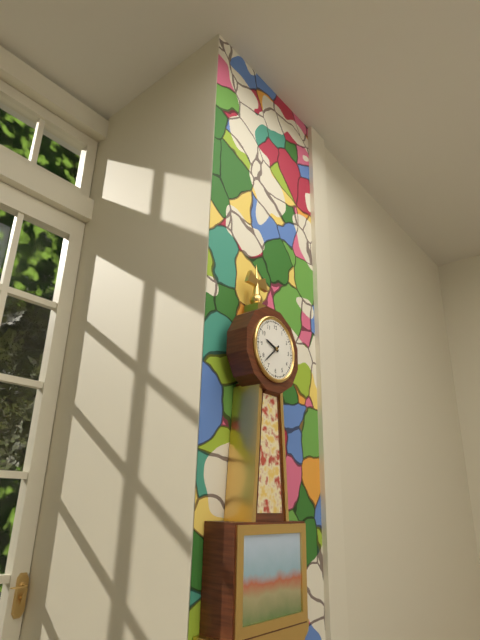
9:38
